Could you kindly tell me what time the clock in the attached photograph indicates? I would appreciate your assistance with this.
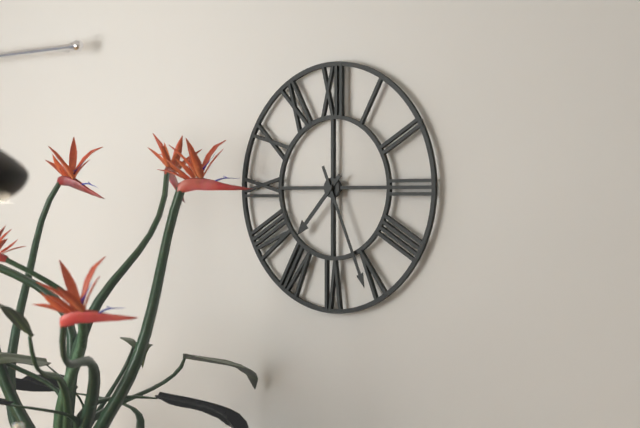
7:26
